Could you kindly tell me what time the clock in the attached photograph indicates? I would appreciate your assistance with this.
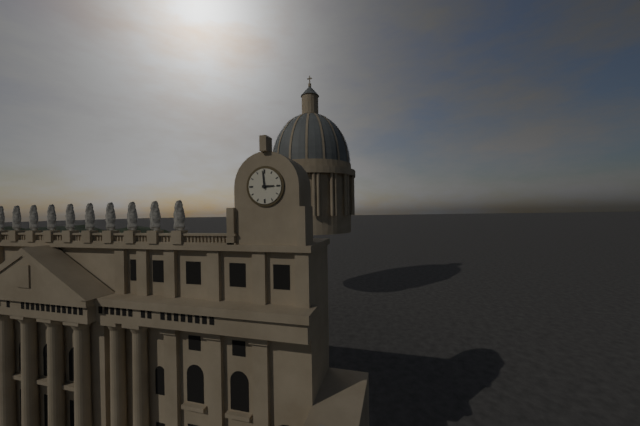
2:59
